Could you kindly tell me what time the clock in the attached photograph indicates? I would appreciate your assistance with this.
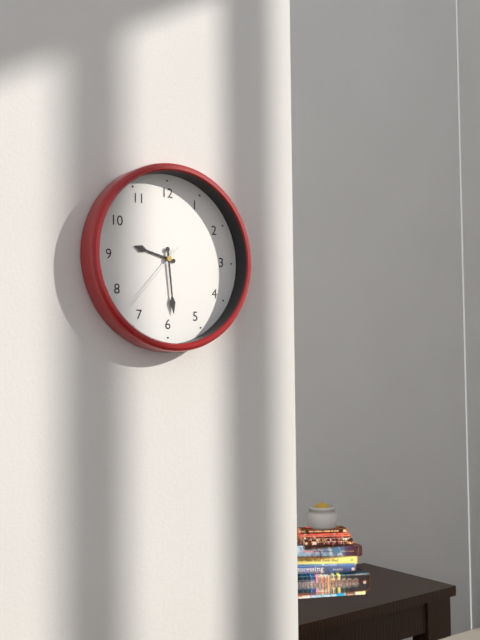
9:29:37
